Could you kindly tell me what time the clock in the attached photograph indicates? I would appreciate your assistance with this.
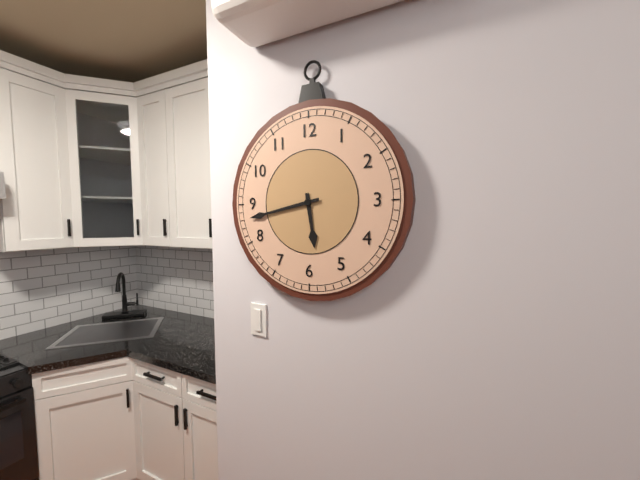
5:43
